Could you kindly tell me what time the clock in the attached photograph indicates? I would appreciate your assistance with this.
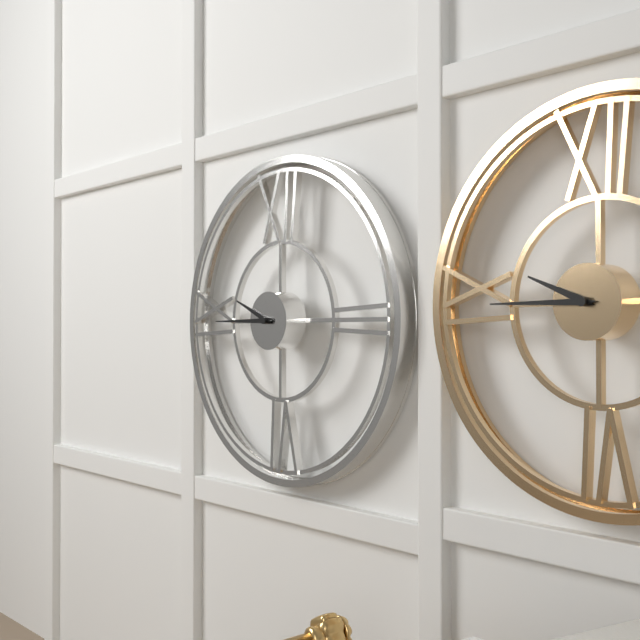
9:45
